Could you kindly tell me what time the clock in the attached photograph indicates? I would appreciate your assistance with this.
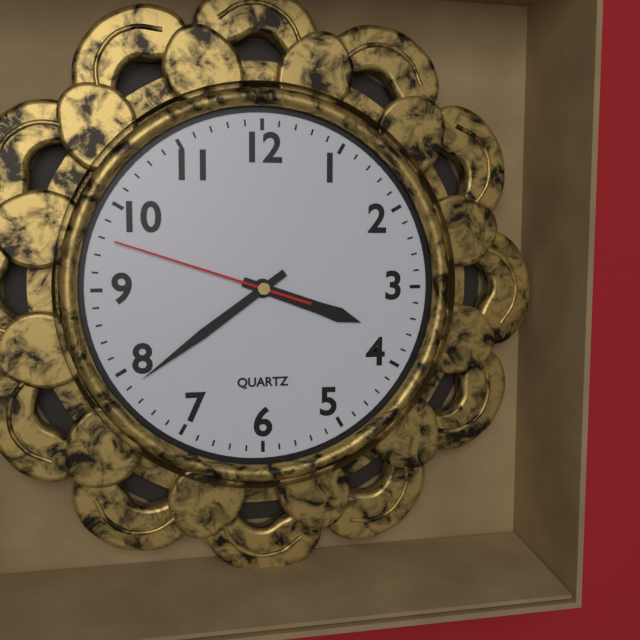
3:39:48
